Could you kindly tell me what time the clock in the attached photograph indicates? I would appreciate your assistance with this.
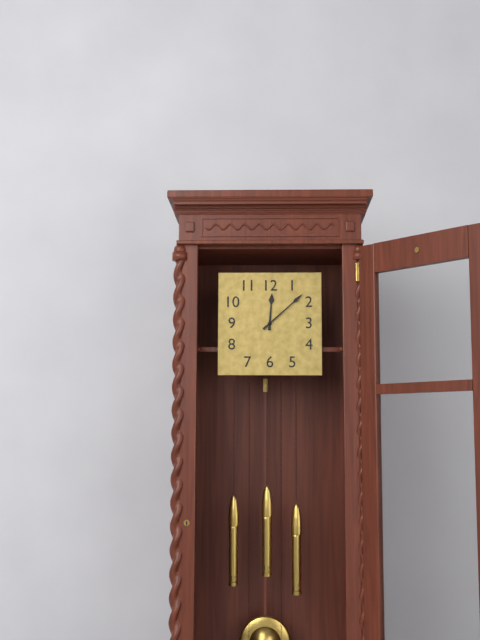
12:08
